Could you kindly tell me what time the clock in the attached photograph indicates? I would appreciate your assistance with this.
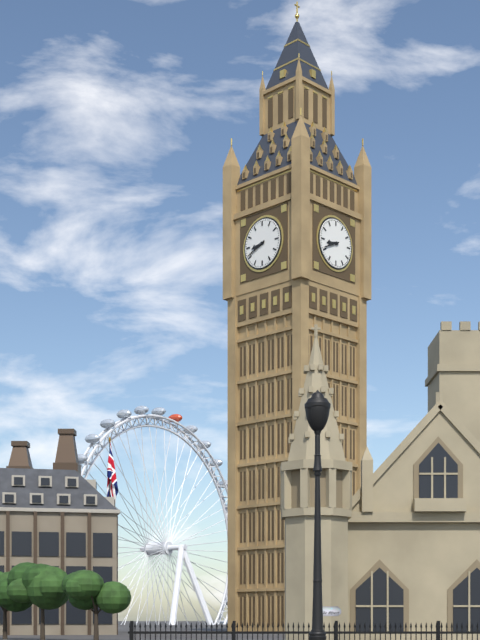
8:41
